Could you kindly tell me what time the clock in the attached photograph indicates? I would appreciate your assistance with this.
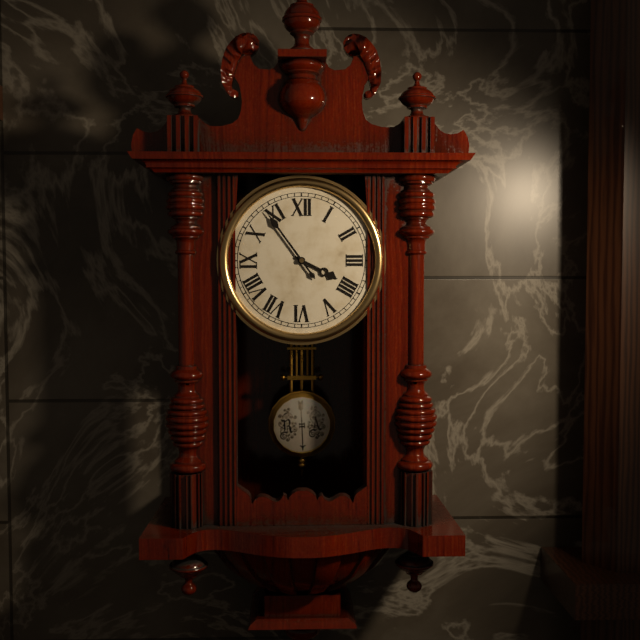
3:54
